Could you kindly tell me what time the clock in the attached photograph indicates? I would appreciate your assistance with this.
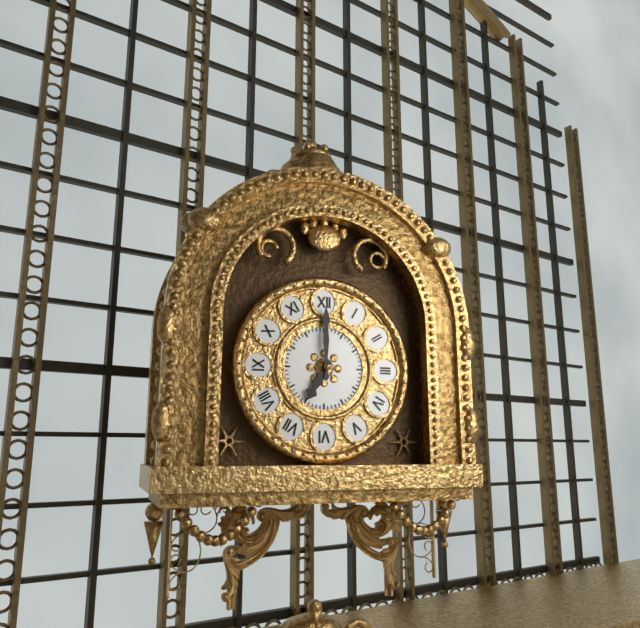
7:00
